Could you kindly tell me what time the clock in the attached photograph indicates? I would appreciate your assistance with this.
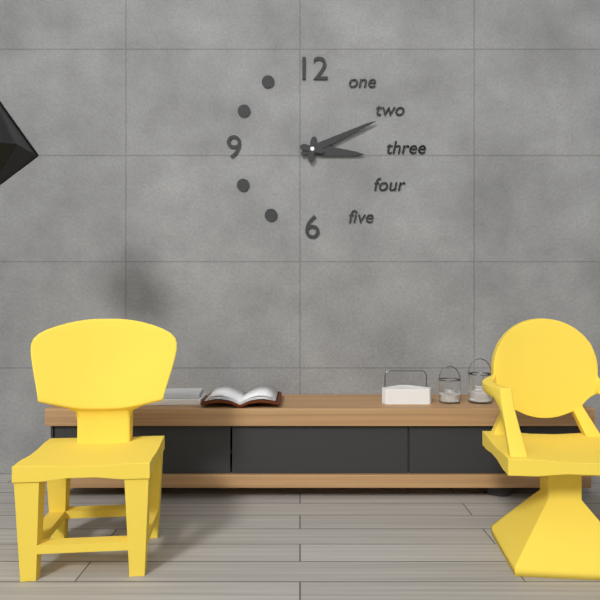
3:11
